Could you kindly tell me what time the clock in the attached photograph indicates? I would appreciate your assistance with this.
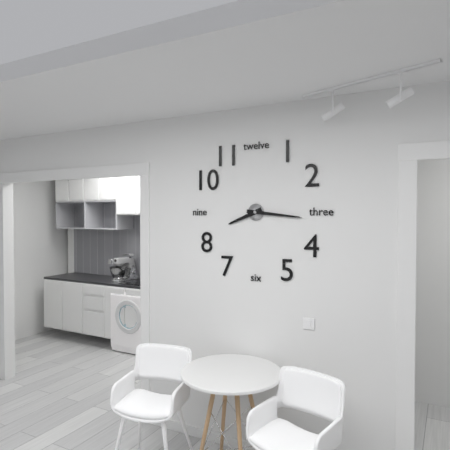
8:16
